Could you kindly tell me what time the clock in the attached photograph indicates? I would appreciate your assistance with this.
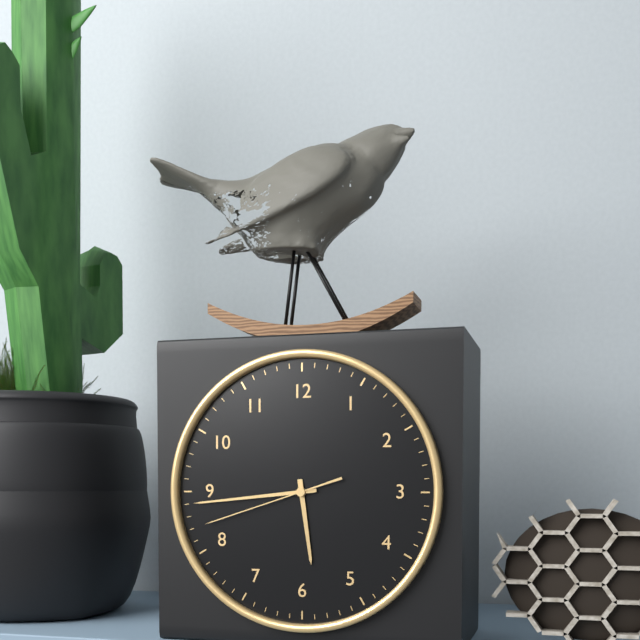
5:44:42
